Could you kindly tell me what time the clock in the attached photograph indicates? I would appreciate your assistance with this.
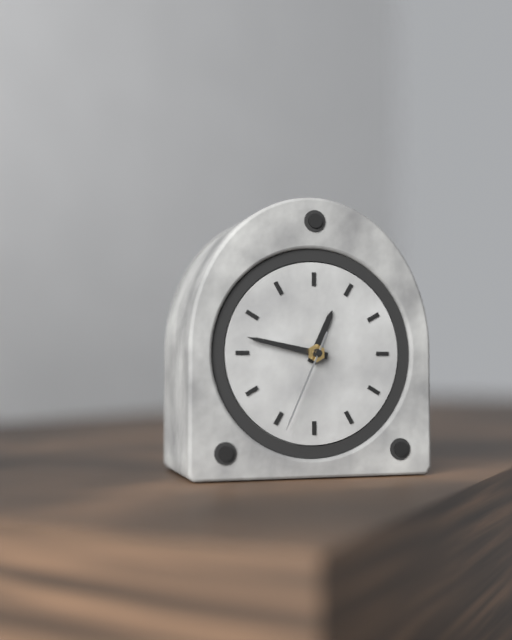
12:47:34
